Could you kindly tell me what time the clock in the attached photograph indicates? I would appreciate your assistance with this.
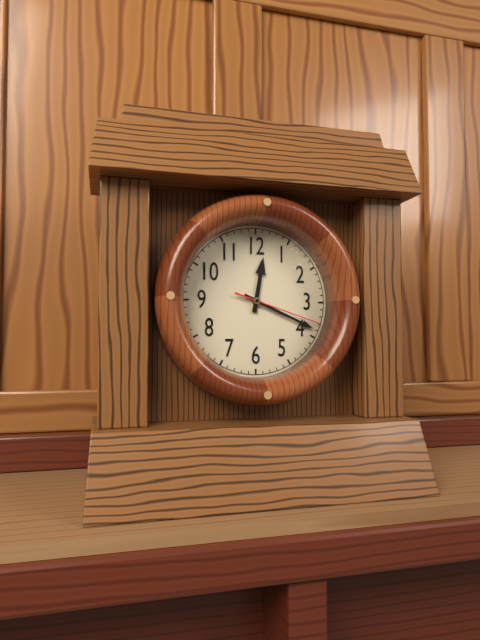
12:19:18
